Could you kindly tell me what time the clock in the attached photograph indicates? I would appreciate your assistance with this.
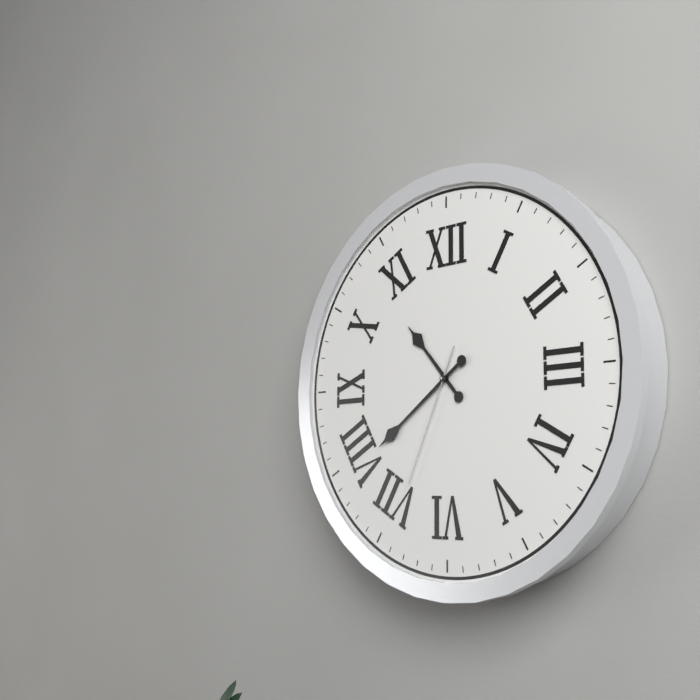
10:39:34
